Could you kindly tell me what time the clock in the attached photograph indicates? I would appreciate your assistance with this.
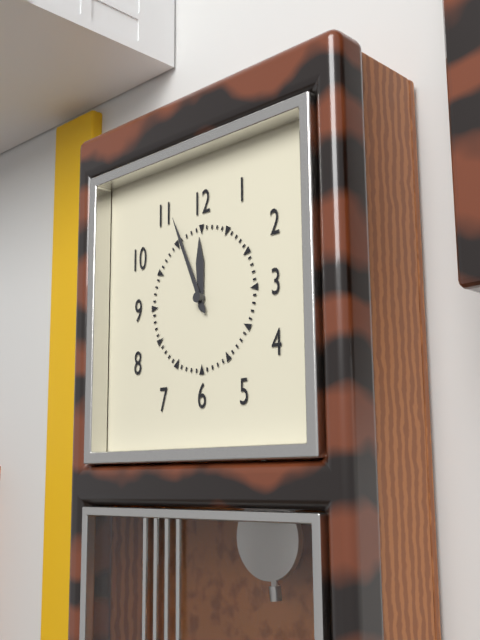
11:56
